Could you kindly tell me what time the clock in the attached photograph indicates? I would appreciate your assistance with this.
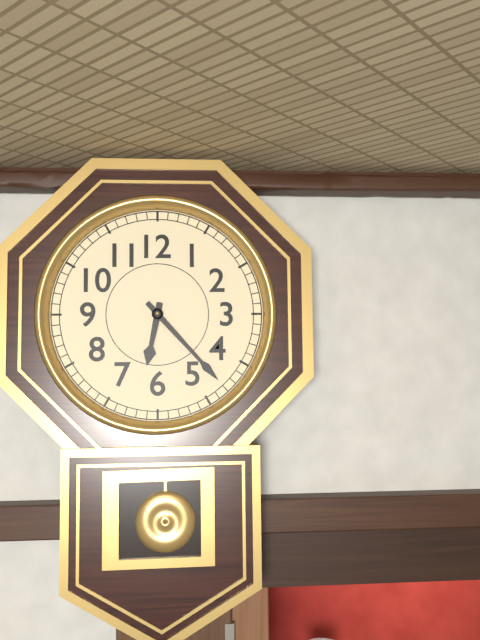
6:23
